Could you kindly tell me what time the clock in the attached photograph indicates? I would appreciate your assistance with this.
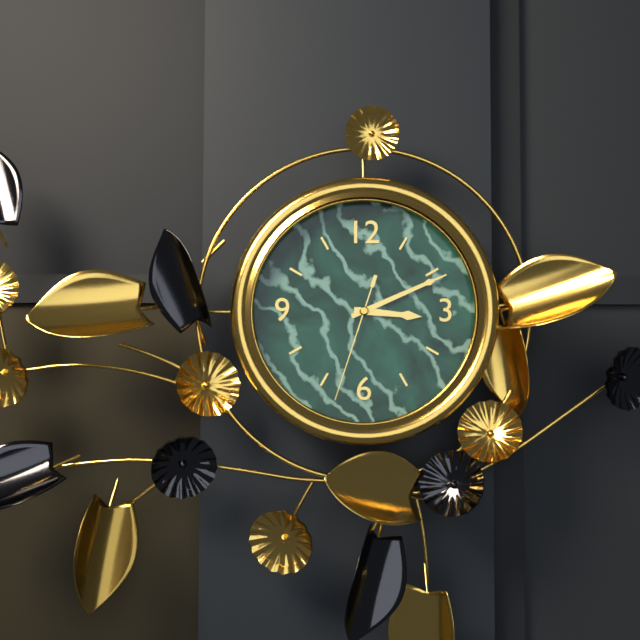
3:11:33
